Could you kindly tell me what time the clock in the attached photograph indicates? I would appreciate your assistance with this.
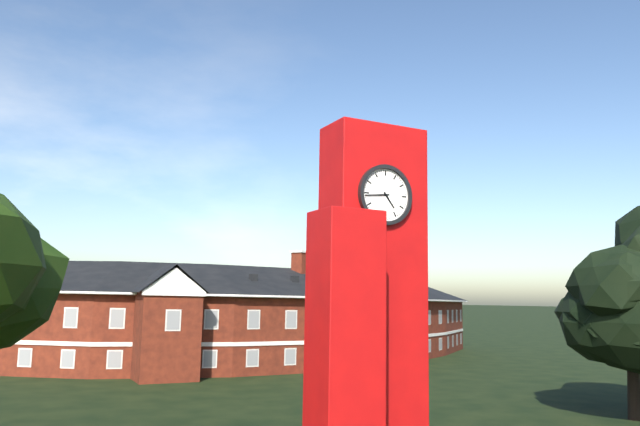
4:44
